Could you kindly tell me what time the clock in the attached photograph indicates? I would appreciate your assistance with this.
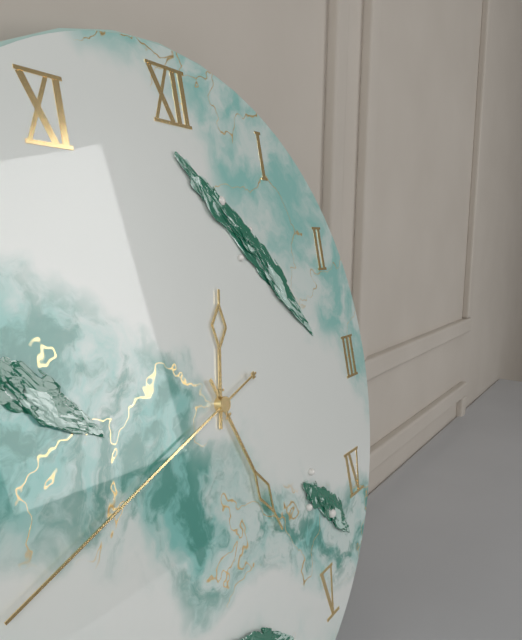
12:26:42
